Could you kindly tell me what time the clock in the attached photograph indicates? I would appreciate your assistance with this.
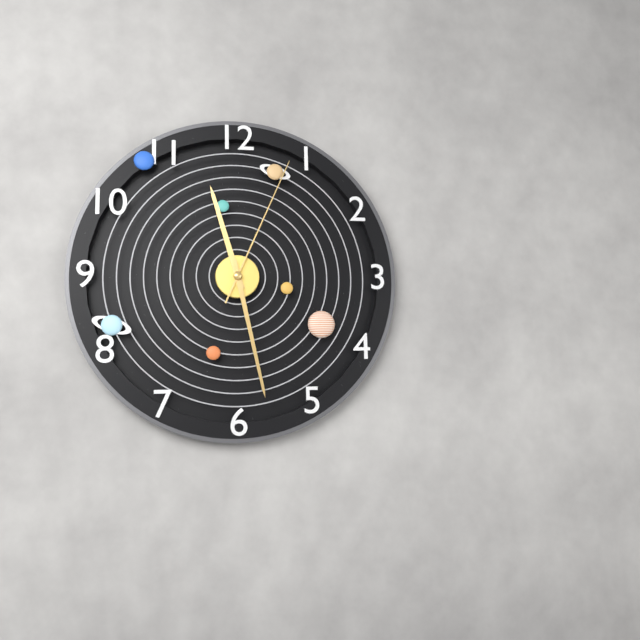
11:28:04
